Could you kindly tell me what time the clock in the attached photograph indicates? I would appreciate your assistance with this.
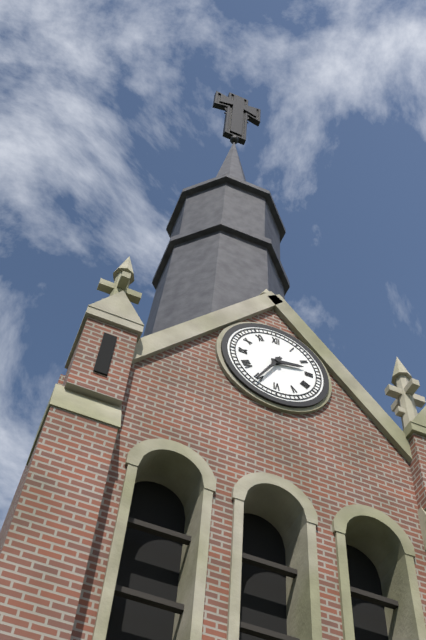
2:35
